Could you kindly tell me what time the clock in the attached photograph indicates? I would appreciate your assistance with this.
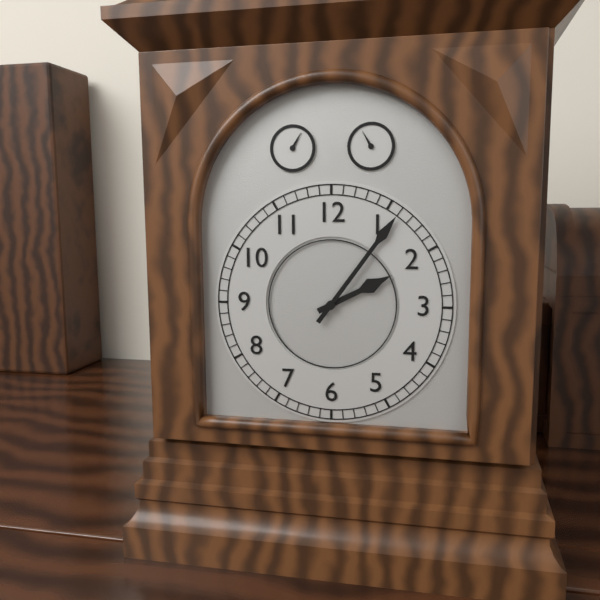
2:06
